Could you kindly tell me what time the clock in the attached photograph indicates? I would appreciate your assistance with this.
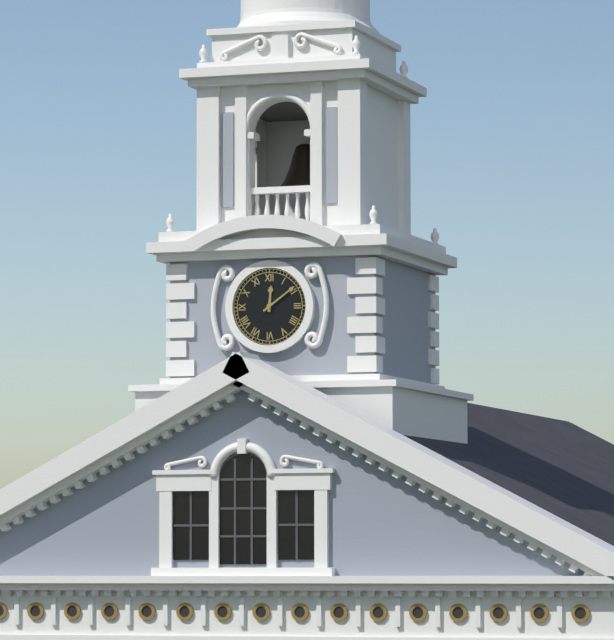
12:09
